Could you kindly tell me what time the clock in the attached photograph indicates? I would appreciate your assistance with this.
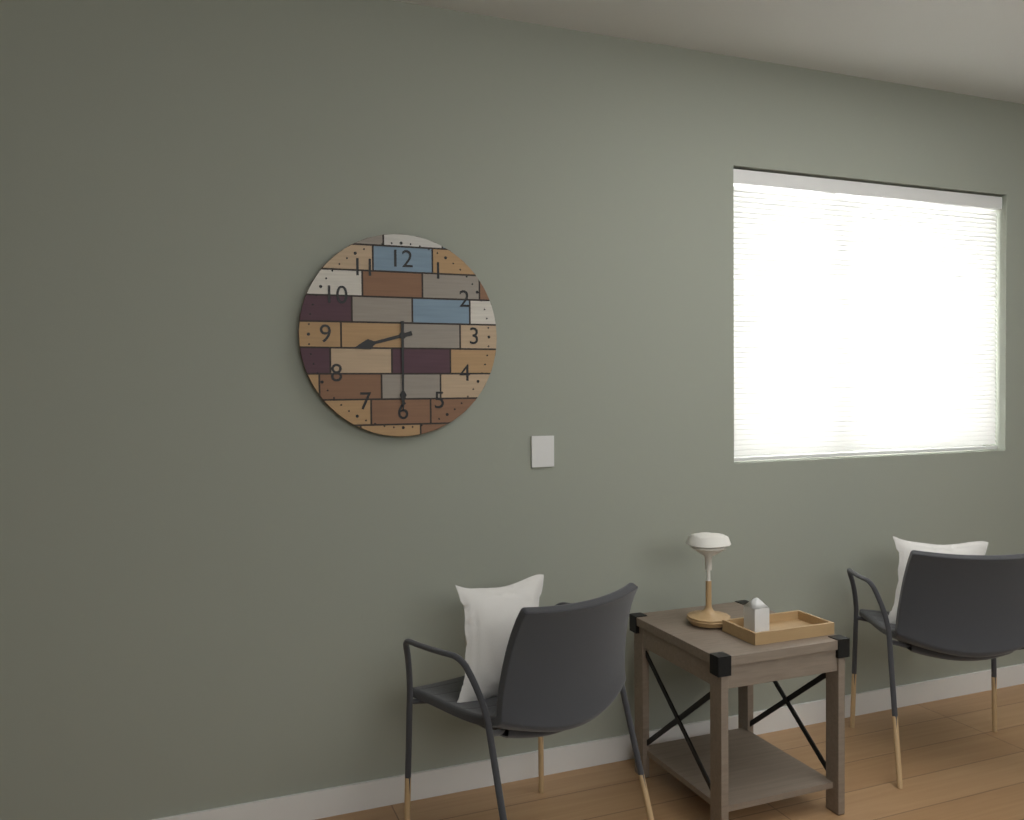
8:30
